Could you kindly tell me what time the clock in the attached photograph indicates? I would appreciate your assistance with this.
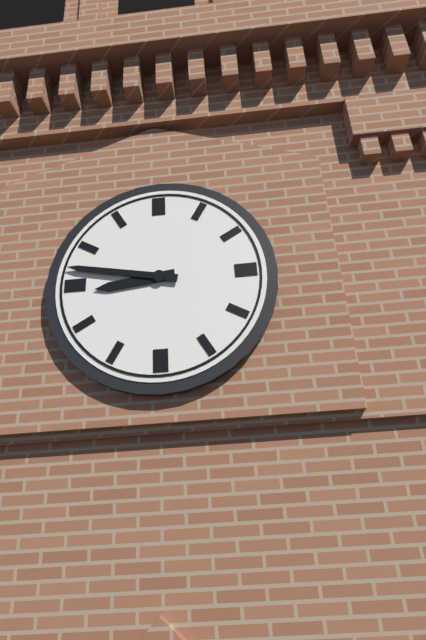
8:47
